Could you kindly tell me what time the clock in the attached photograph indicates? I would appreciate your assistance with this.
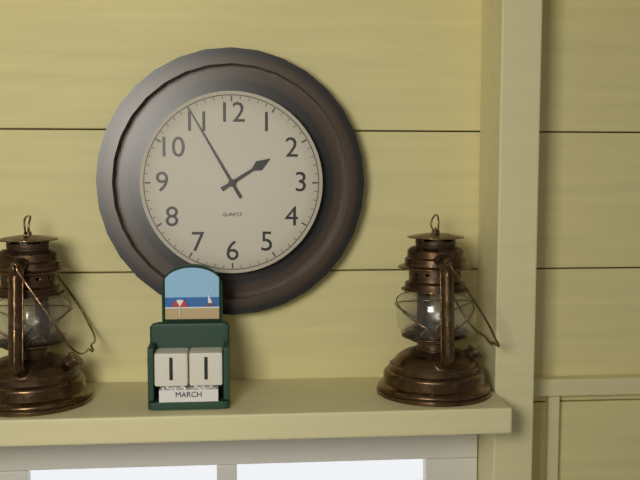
1:55
